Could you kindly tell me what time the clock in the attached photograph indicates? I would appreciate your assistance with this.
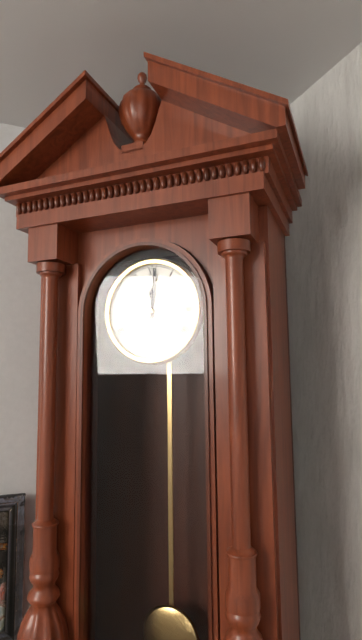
12:01
